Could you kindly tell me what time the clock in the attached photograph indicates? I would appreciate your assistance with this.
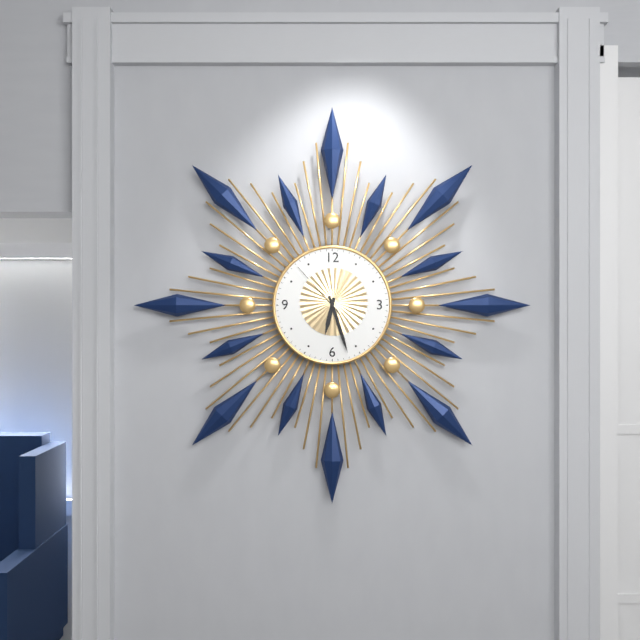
6:27:53
